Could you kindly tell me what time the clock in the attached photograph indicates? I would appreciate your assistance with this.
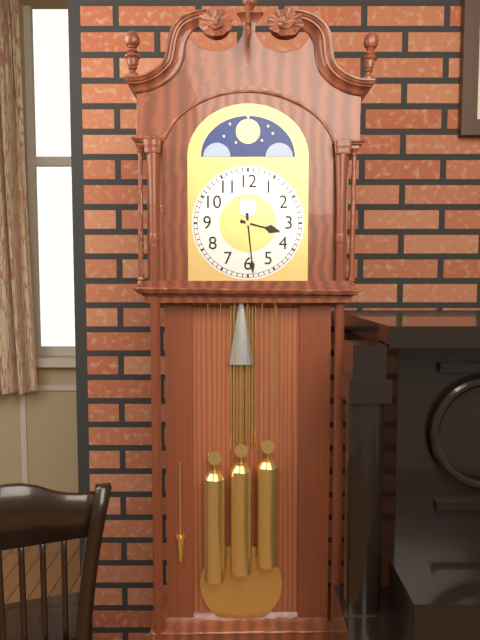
3:29
